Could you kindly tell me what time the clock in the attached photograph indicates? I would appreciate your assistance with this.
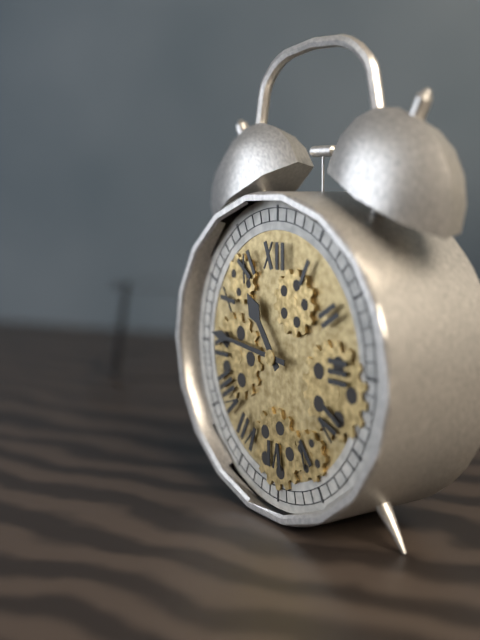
10:46
